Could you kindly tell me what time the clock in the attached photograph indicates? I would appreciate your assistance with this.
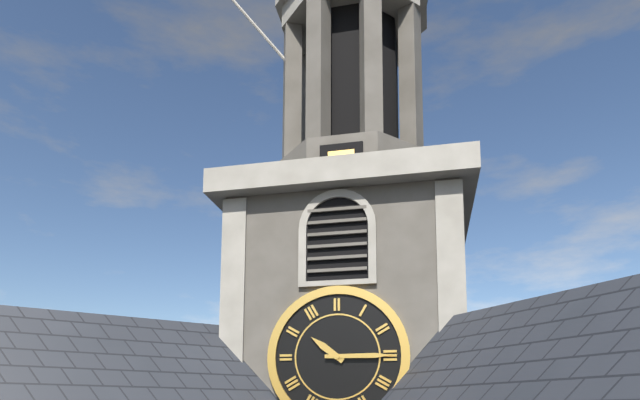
10:15
